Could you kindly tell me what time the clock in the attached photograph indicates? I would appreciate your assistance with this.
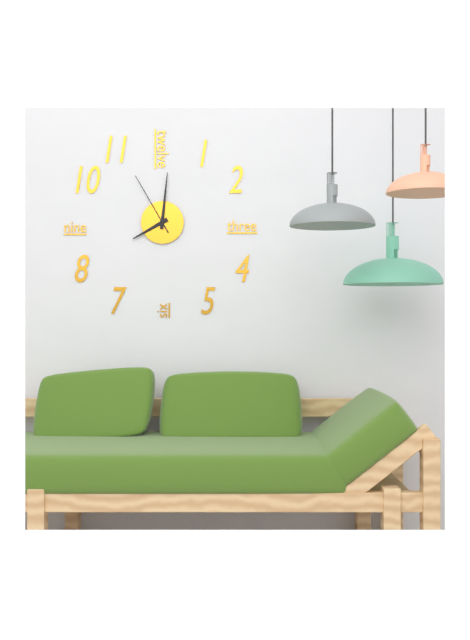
8:01:55
